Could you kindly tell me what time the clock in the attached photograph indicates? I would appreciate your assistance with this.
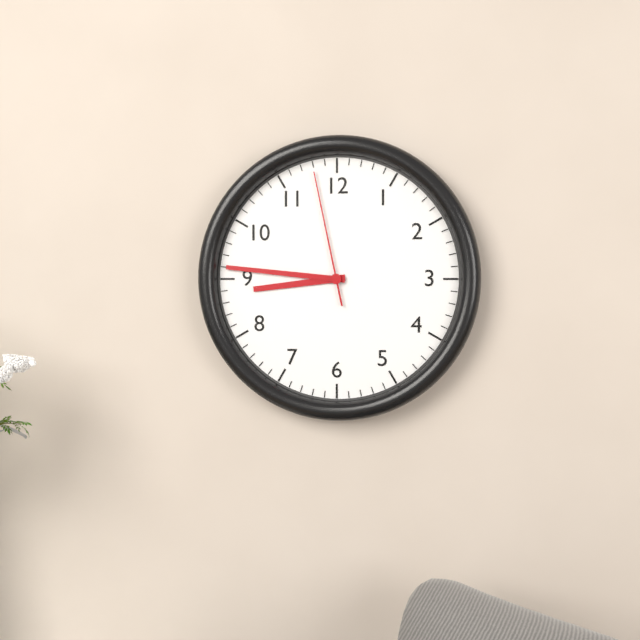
8:46:58
